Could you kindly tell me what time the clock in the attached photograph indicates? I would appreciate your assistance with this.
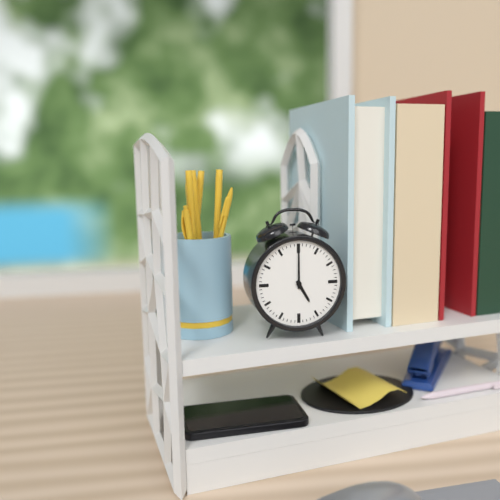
5:00
